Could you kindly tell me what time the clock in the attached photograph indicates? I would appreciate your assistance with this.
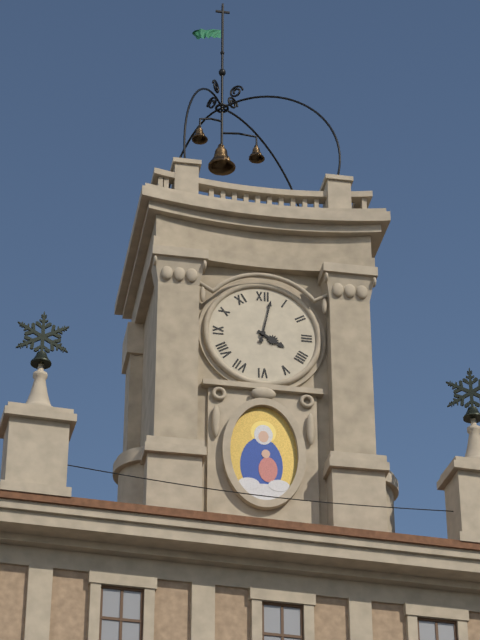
4:02
